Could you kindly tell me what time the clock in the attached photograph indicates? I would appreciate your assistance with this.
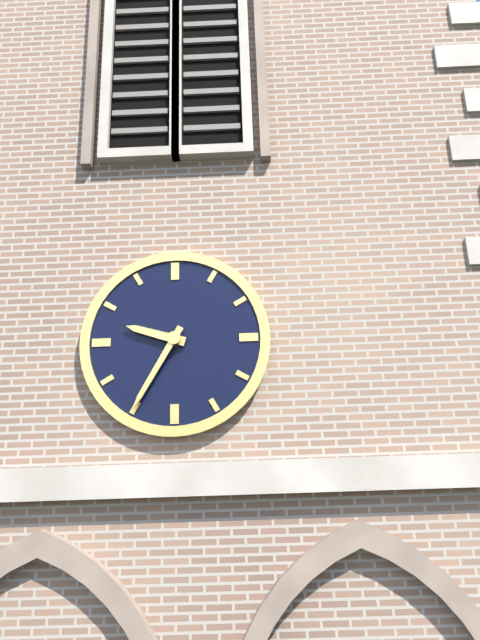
9:35
